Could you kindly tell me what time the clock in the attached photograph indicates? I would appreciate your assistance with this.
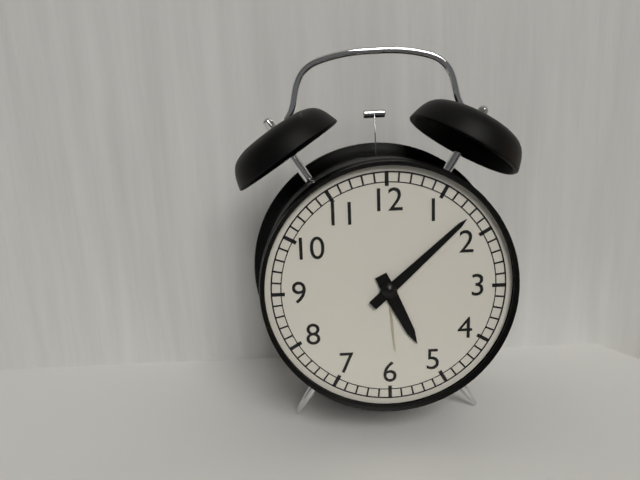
5:08
